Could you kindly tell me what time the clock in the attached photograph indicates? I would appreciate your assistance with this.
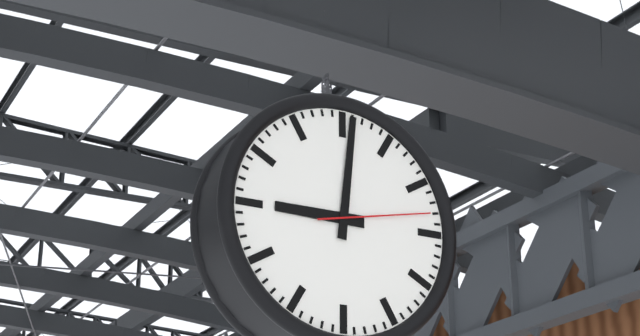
9:01:13
